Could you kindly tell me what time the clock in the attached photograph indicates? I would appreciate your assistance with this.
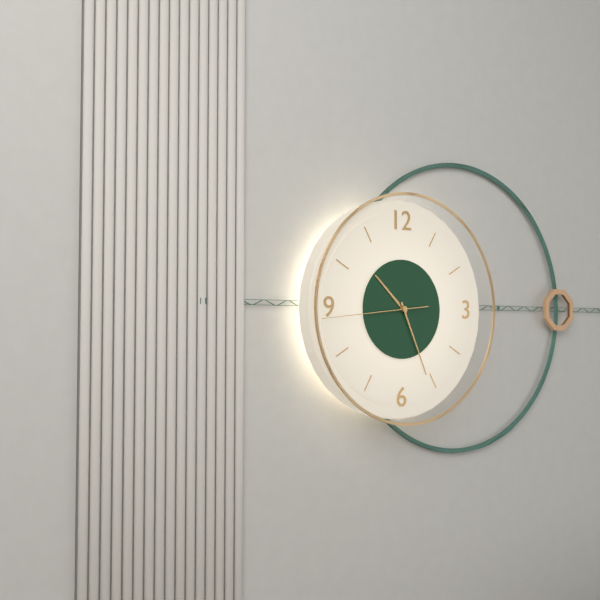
10:26:44
